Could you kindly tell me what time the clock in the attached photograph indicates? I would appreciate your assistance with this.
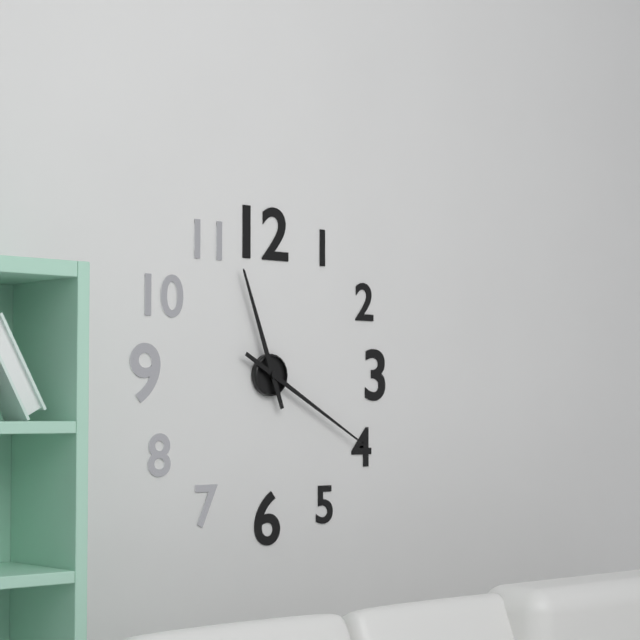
11:20
